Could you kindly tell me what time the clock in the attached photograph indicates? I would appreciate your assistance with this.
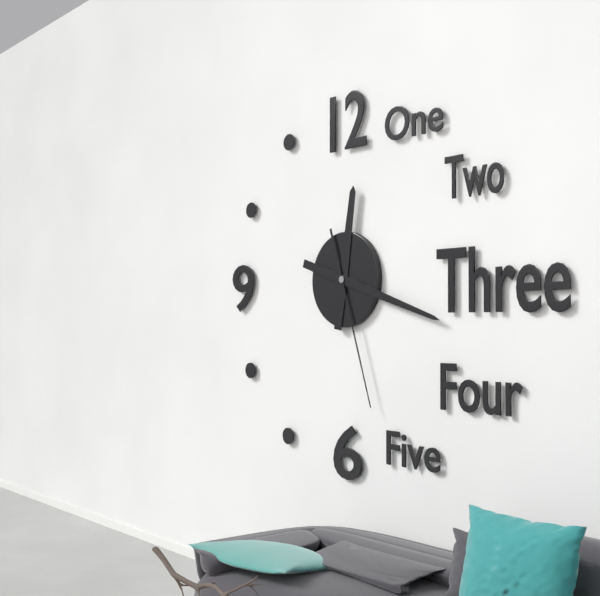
12:18:27
